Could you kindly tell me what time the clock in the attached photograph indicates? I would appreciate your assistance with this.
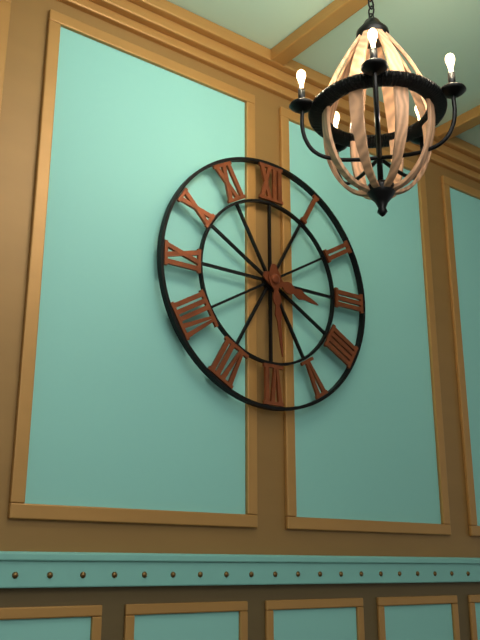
3:29
